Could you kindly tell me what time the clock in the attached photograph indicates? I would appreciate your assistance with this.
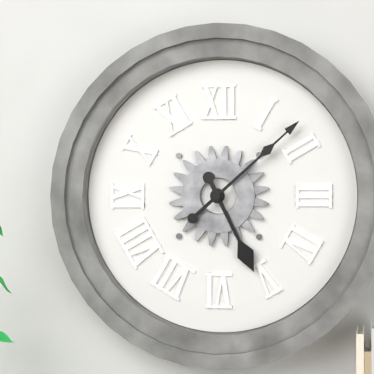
5:08
